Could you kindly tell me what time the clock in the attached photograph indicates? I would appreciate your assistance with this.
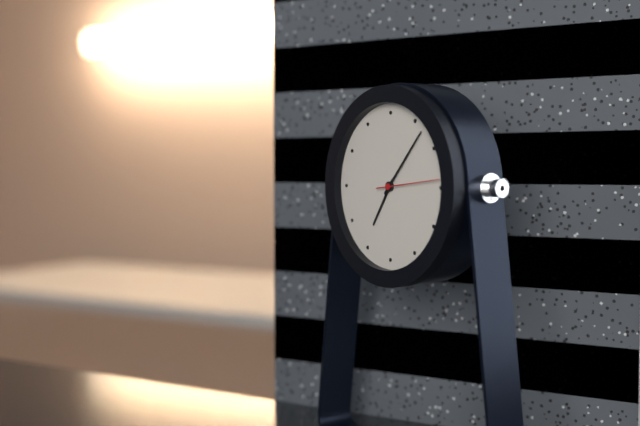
7:07:14
